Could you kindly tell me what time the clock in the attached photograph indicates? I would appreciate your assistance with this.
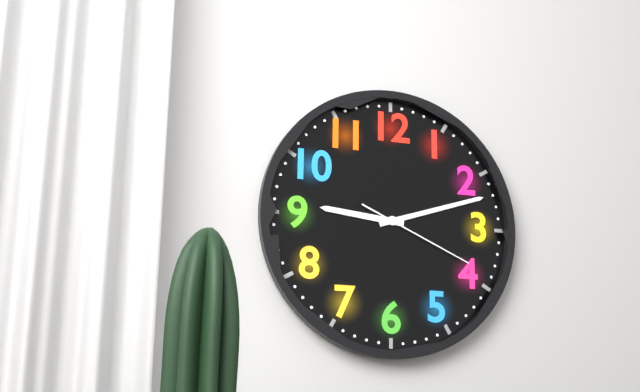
9:12:19
